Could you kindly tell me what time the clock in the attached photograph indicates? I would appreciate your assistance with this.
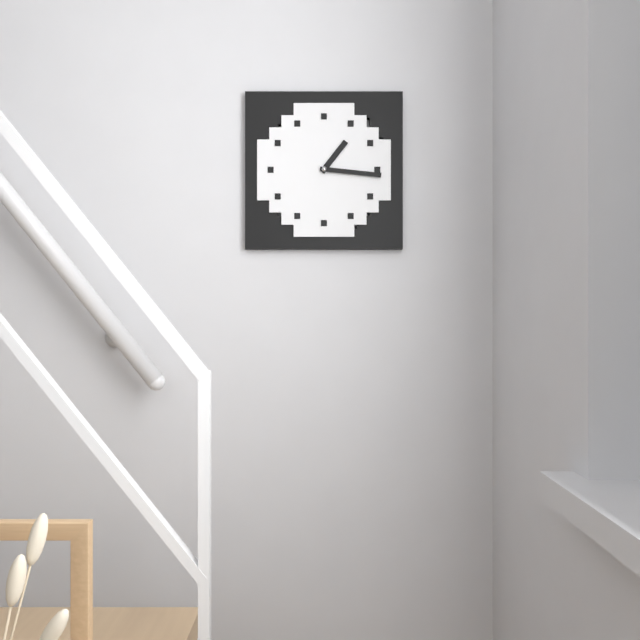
1:16
